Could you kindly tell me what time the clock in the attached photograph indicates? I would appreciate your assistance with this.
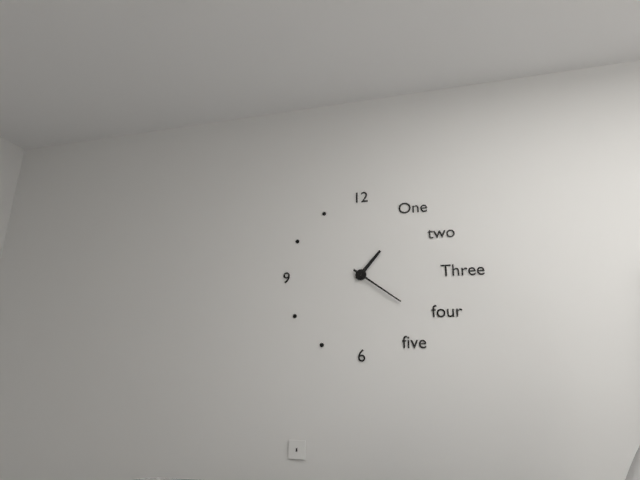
1:21
